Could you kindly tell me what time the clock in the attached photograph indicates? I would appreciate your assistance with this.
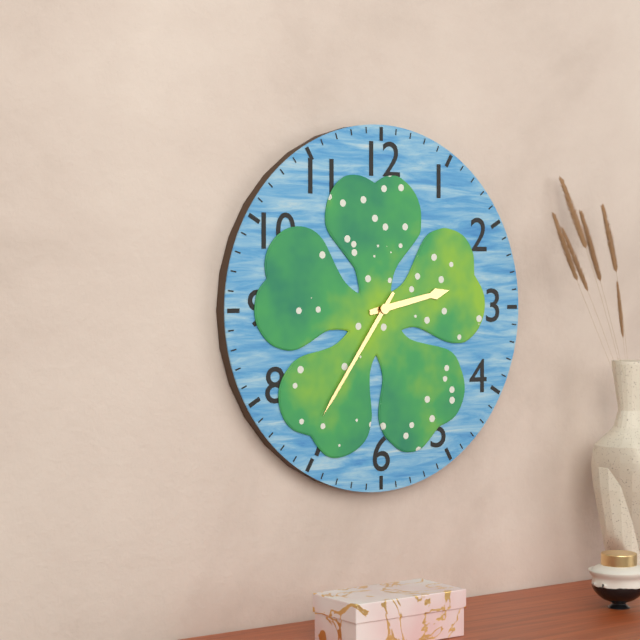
2:36
